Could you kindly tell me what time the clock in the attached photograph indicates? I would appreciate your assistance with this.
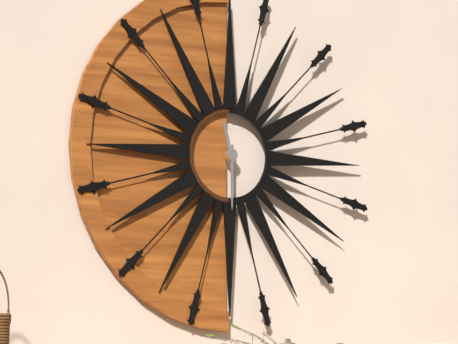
11:30
